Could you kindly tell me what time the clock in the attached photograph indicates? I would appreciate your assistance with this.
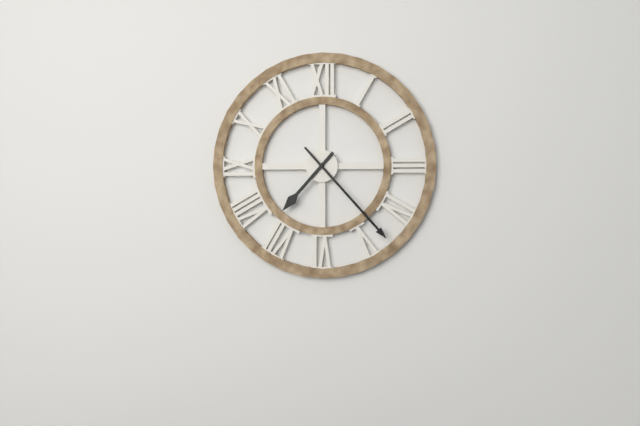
7:23
